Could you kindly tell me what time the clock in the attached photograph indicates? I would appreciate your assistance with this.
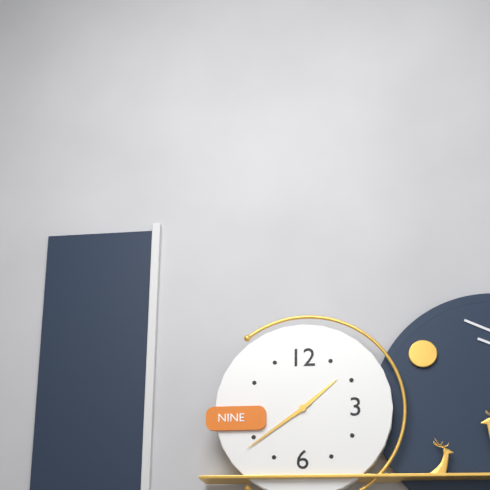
1:39
